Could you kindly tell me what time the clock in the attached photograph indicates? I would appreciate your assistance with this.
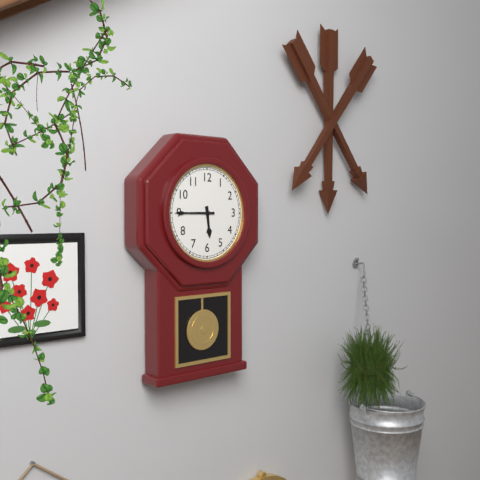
5:45
